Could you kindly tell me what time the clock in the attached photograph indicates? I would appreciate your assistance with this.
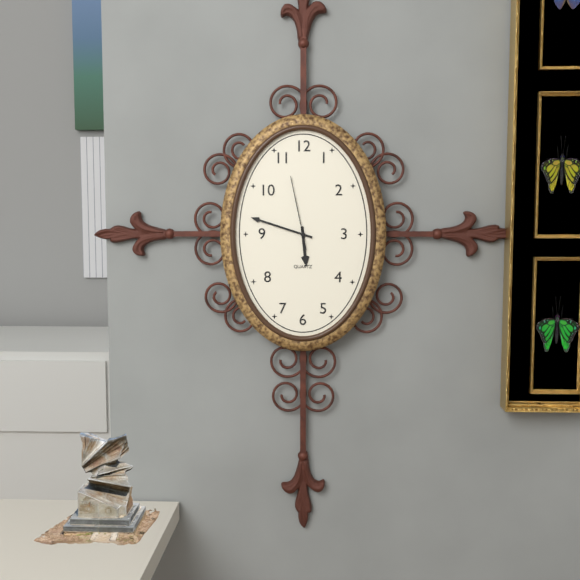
5:48:58
